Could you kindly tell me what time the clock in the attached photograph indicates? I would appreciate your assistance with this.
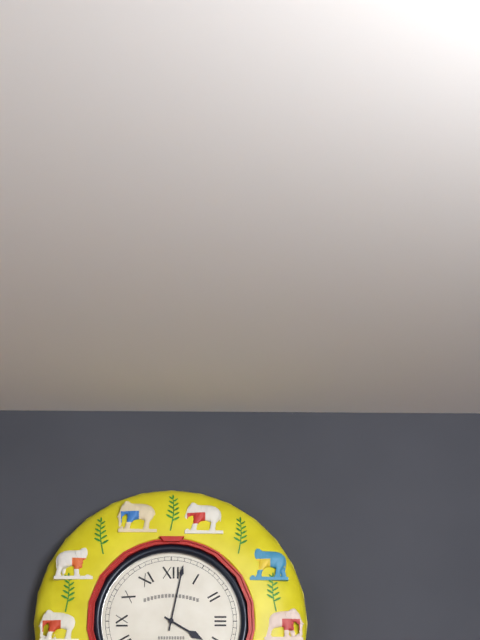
4:02
